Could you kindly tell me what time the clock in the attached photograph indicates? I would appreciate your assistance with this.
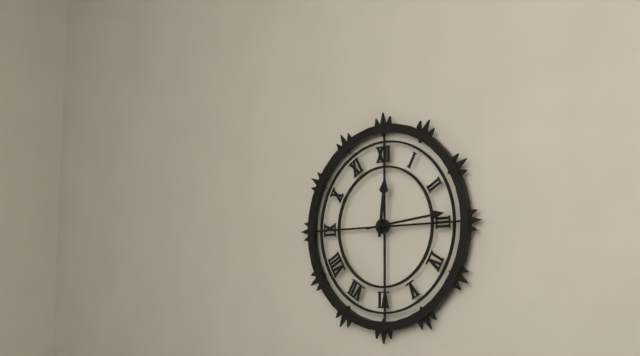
12:14
